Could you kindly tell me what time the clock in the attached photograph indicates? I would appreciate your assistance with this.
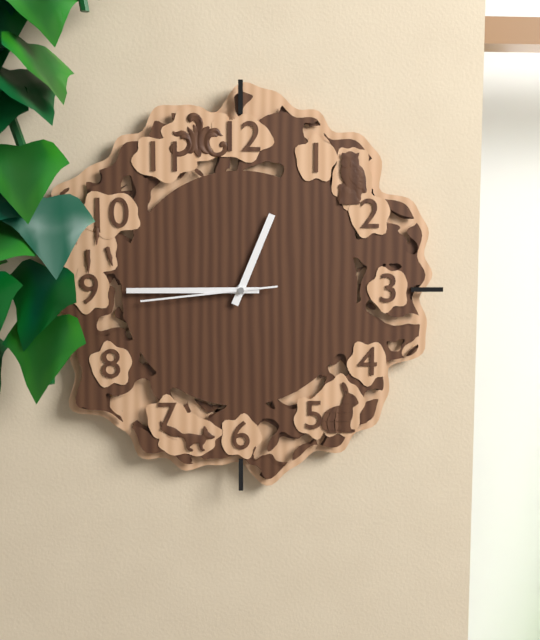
12:45:44
